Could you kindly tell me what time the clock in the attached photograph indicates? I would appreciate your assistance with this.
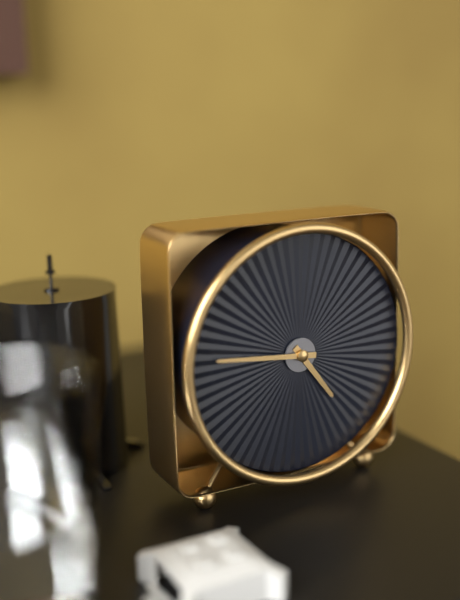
4:46
